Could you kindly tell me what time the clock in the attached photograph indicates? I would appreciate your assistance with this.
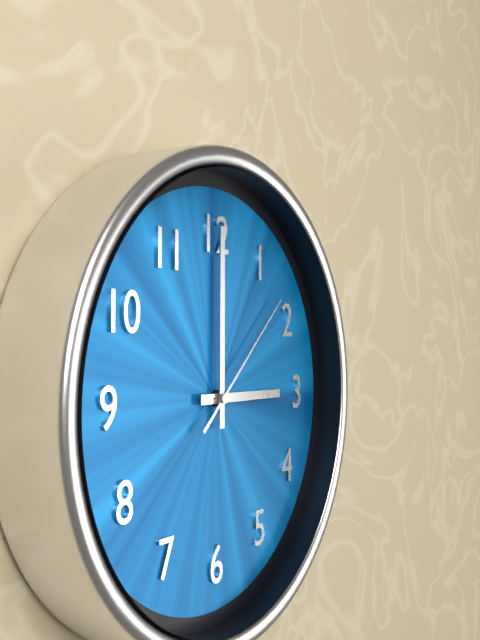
3:00:08
